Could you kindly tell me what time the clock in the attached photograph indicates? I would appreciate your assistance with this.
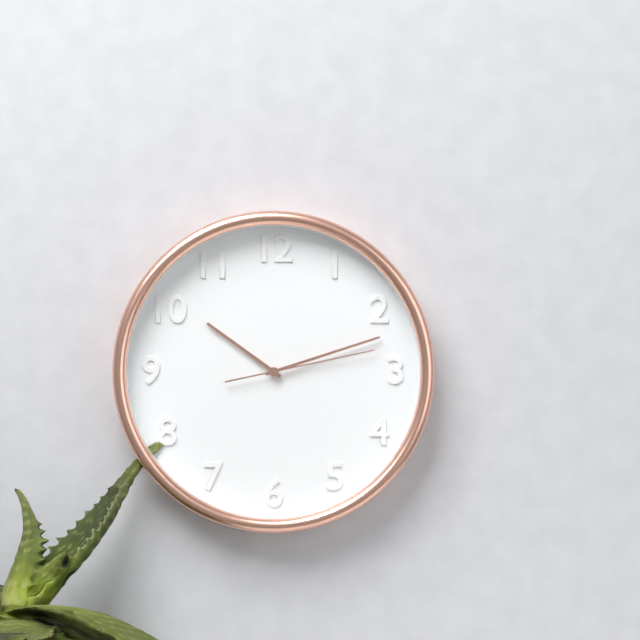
10:12:13
